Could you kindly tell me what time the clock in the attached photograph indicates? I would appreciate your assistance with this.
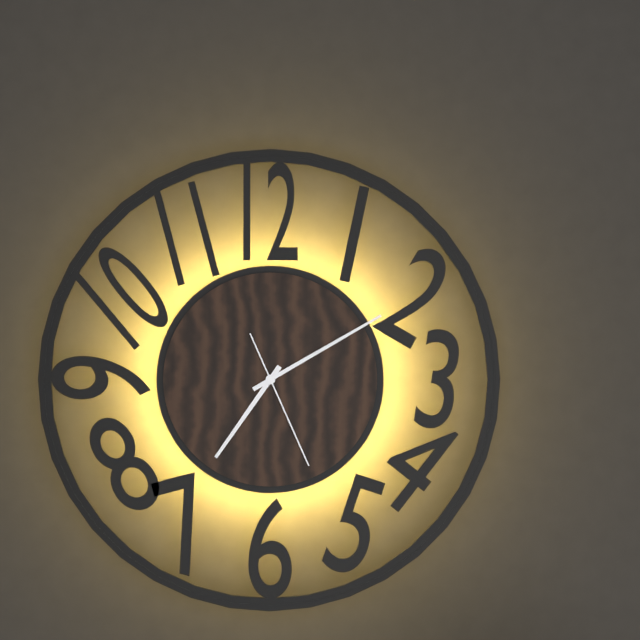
7:10:26
